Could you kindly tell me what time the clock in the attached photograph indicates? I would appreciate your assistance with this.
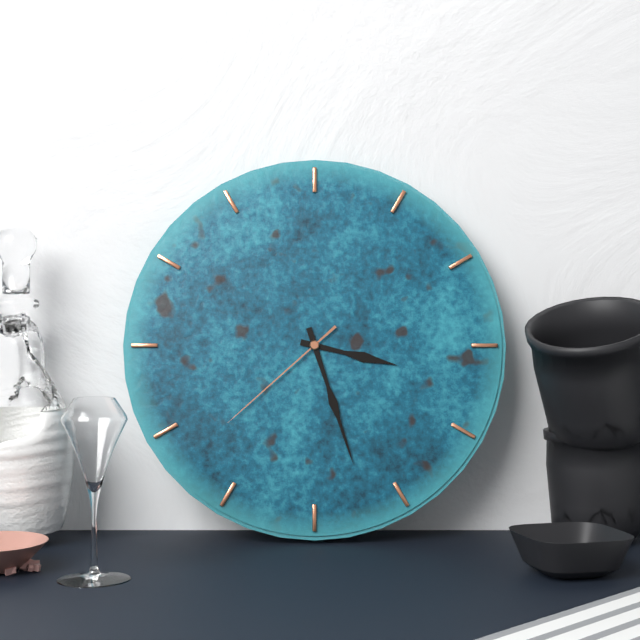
3:27:38
